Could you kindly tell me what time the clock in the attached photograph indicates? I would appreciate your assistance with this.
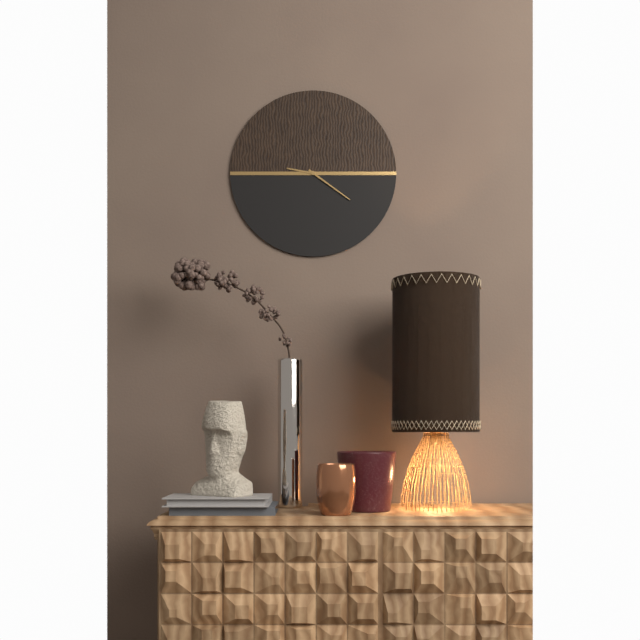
9:21
